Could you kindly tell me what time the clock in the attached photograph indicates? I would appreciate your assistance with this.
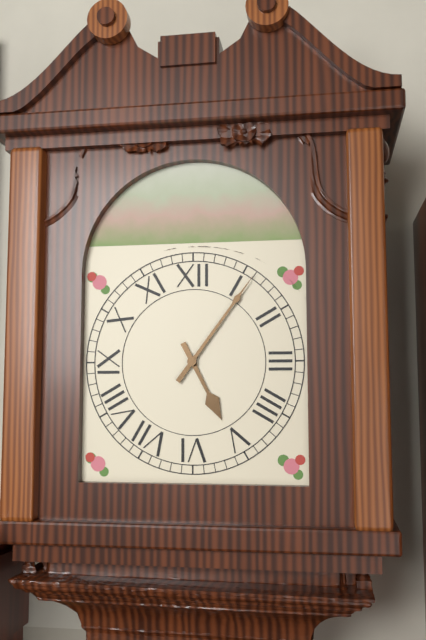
5:06
